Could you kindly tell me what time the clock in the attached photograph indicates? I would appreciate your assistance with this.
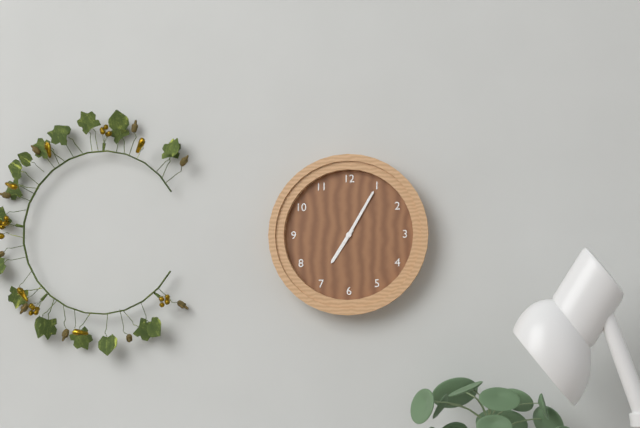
7:05
